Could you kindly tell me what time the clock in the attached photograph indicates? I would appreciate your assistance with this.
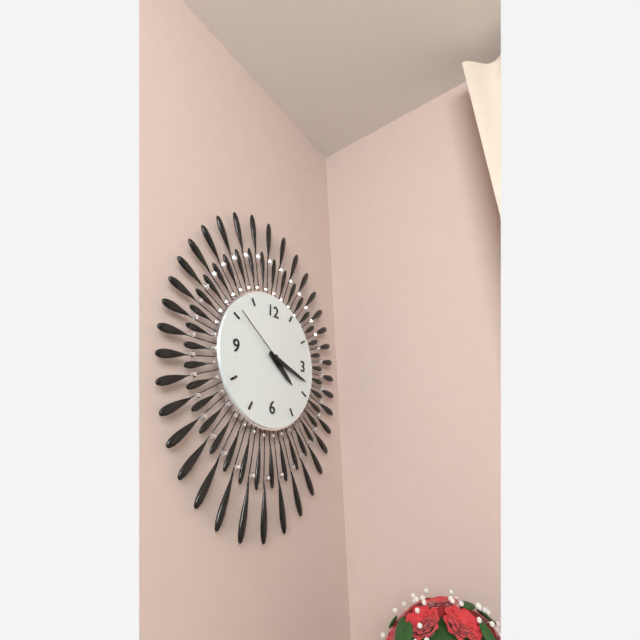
4:18:51
